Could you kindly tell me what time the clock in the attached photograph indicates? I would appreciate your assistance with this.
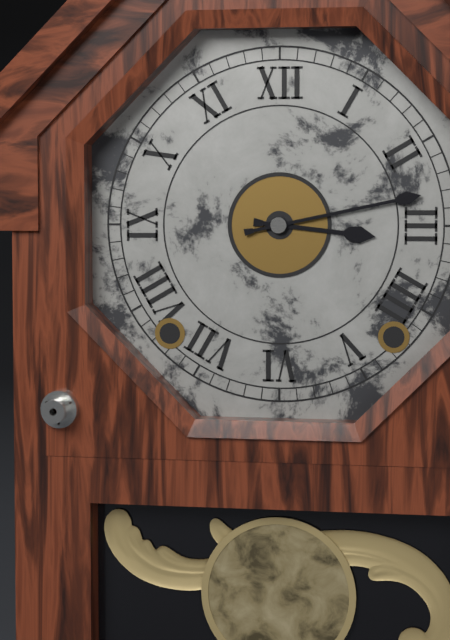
3:13
